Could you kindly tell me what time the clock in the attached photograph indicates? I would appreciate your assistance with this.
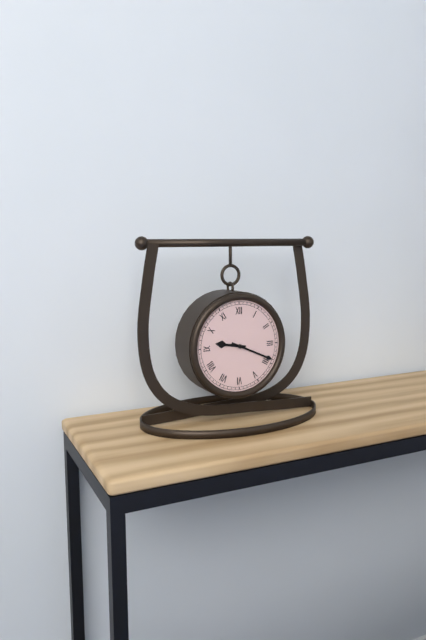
9:19
